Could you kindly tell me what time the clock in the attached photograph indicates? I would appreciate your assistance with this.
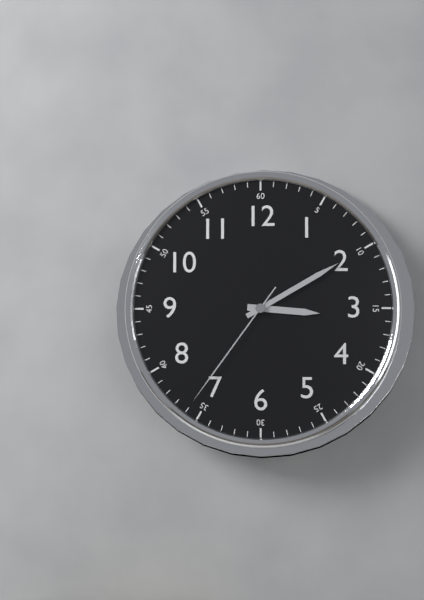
3:10:36
